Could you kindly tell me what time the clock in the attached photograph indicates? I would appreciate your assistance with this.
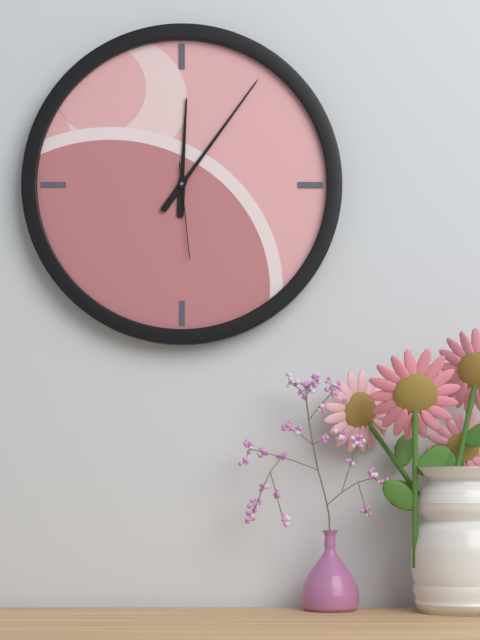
12:06:29
